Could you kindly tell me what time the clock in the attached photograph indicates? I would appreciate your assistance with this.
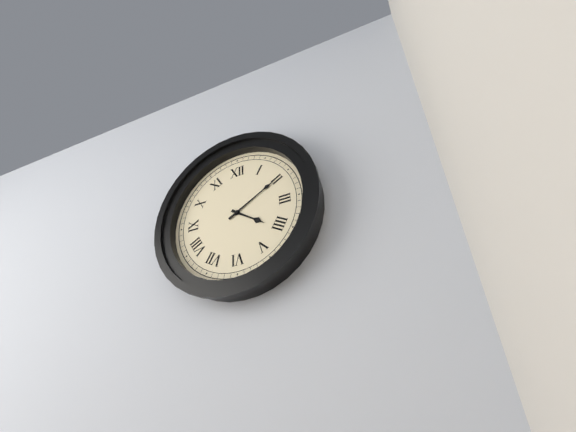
4:10
